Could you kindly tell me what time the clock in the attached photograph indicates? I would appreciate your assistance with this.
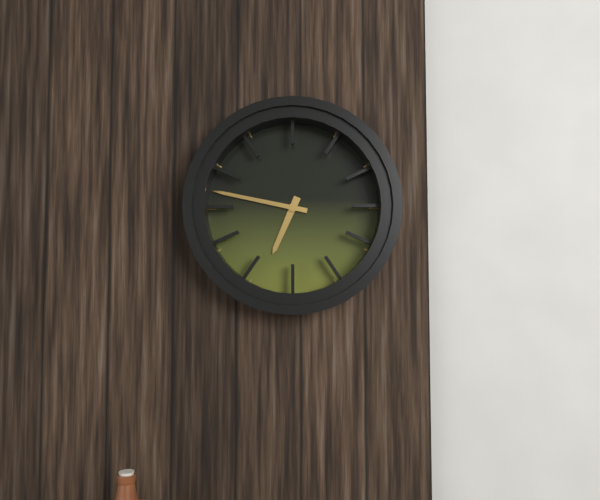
6:47
